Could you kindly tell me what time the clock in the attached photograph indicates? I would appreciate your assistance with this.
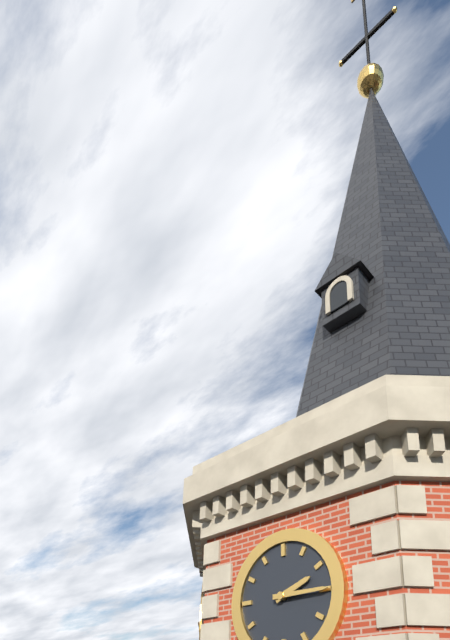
2:15
